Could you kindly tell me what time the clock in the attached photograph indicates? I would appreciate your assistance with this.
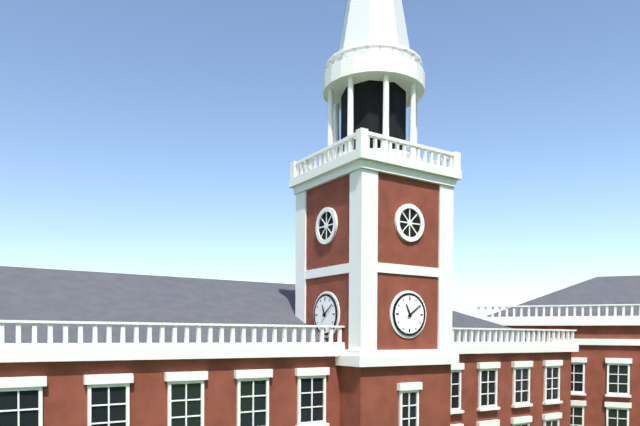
11:09
